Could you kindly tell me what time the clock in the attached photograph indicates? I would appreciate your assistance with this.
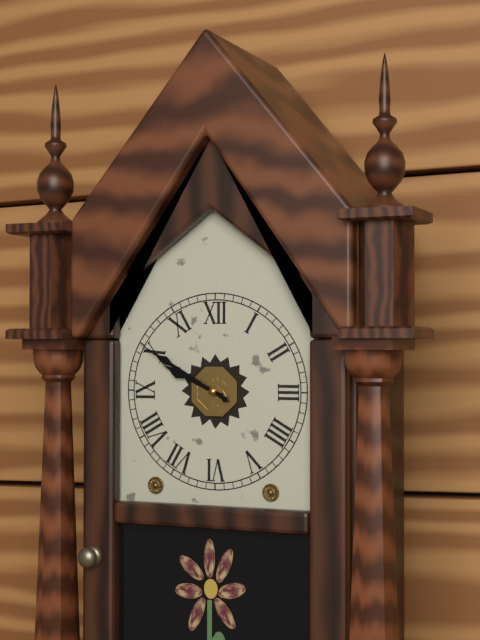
9:50
